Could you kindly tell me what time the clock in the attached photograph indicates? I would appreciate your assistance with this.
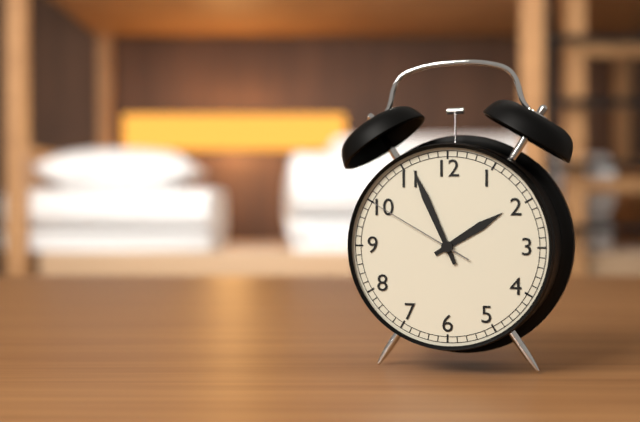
1:56:50
